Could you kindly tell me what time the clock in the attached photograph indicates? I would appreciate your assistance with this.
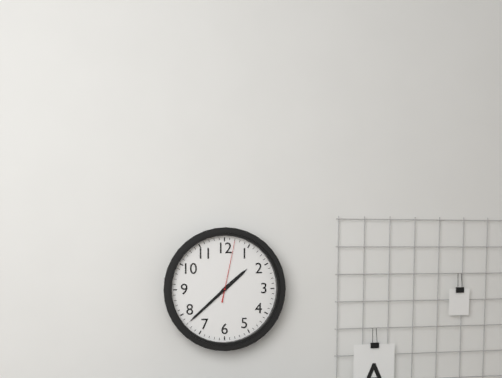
1:38:02
